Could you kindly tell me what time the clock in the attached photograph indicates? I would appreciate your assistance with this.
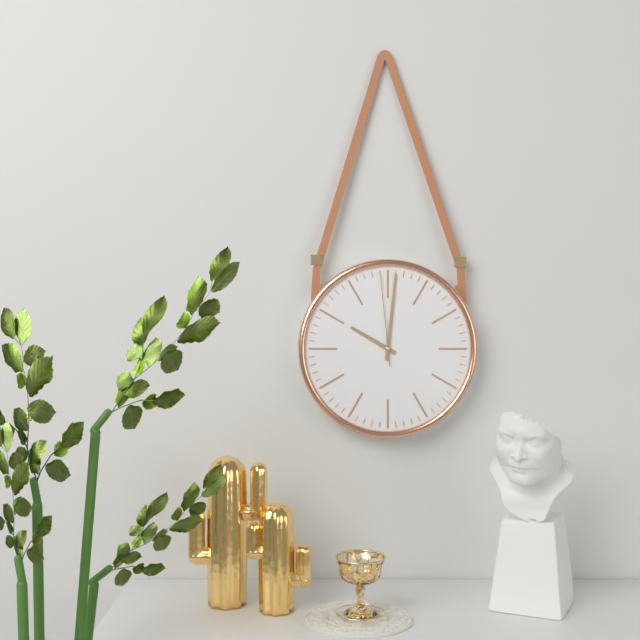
10:01:59
